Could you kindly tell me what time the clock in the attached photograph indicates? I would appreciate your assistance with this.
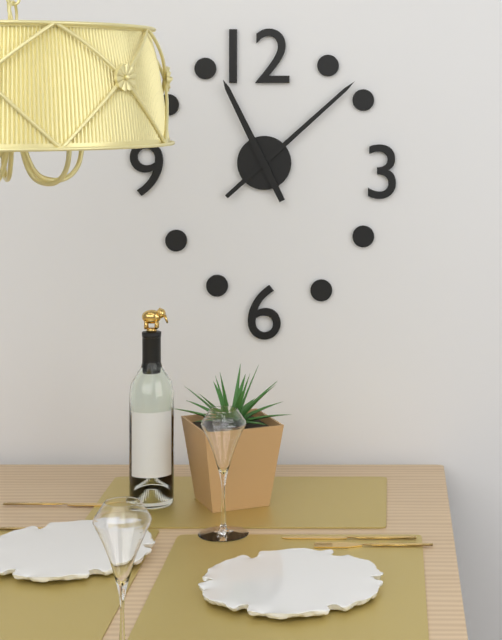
11:08
